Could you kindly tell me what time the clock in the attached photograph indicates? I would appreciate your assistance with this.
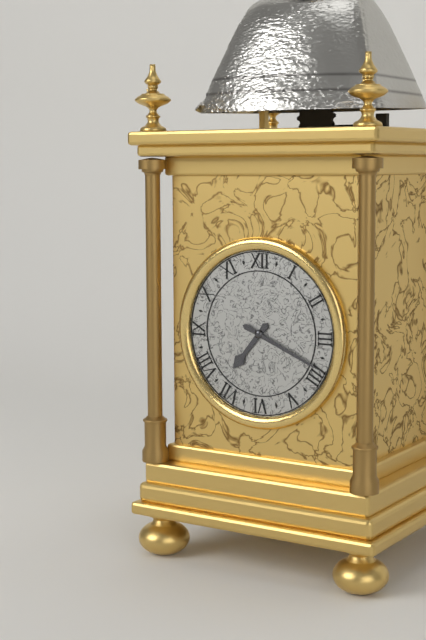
7:19
